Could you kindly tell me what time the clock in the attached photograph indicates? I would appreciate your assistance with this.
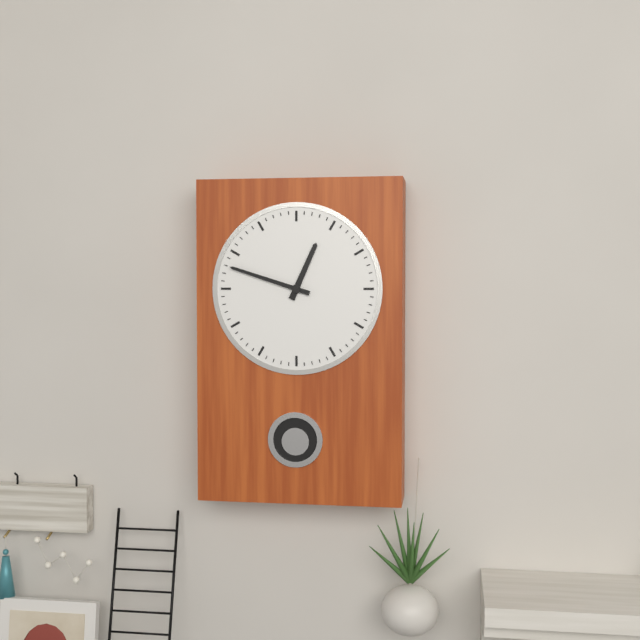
12:48
